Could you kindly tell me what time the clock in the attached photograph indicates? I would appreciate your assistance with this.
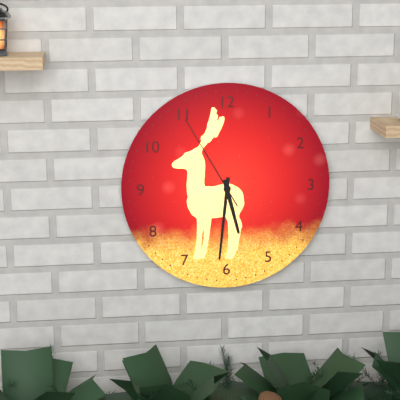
5:31:55
